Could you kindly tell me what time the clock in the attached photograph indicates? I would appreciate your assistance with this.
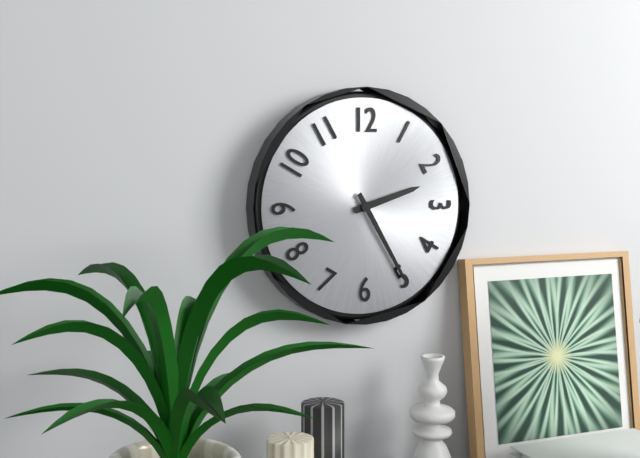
2:25
